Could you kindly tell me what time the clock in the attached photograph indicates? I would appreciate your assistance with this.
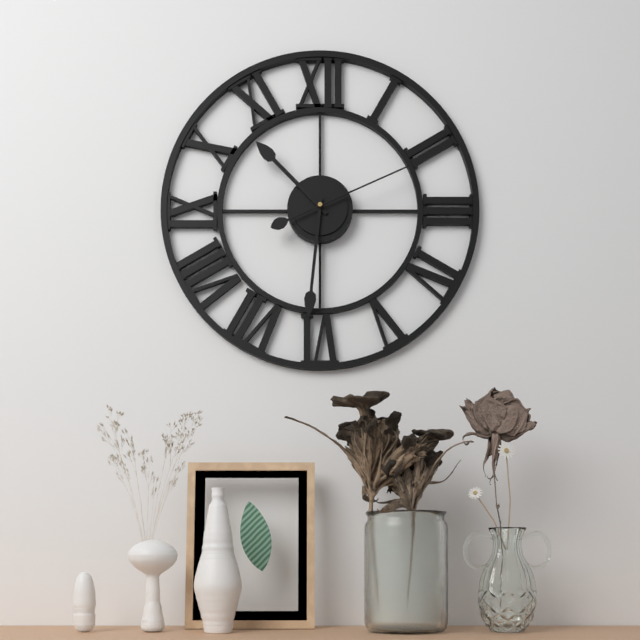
10:31:11
